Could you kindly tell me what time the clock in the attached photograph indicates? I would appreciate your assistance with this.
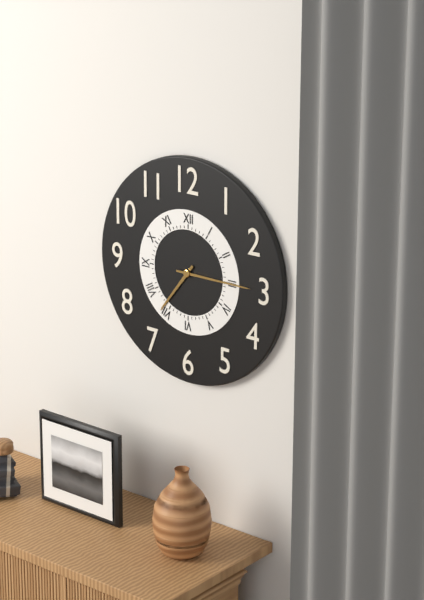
7:15
